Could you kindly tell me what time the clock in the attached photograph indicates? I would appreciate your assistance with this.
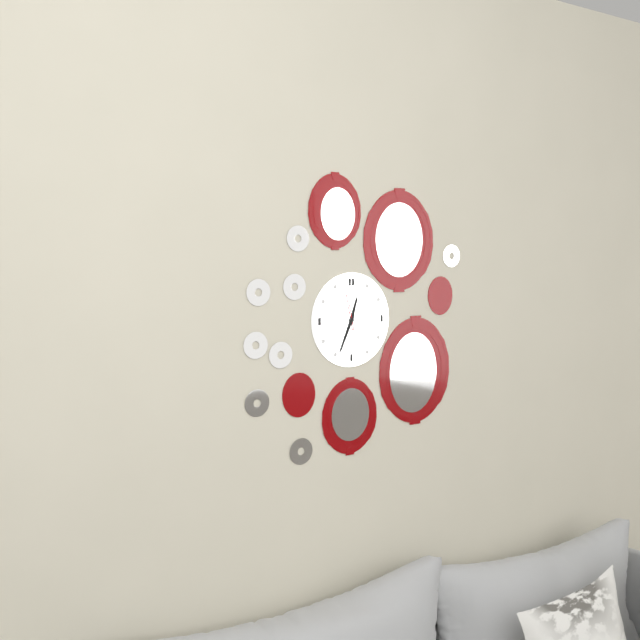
12:34:58
